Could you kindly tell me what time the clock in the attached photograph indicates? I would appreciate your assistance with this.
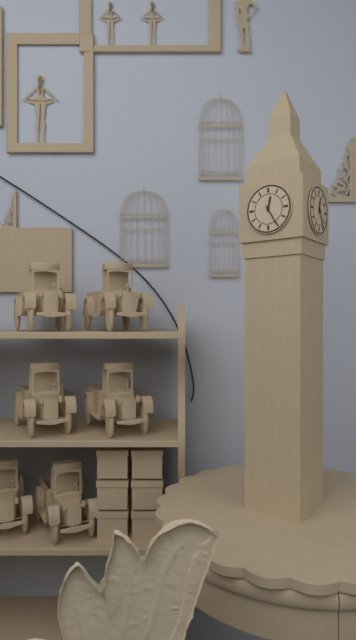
12:25
